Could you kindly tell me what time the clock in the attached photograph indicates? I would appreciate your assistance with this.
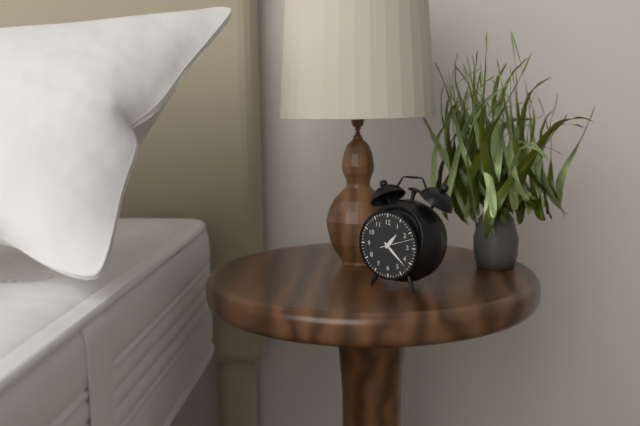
1:22
